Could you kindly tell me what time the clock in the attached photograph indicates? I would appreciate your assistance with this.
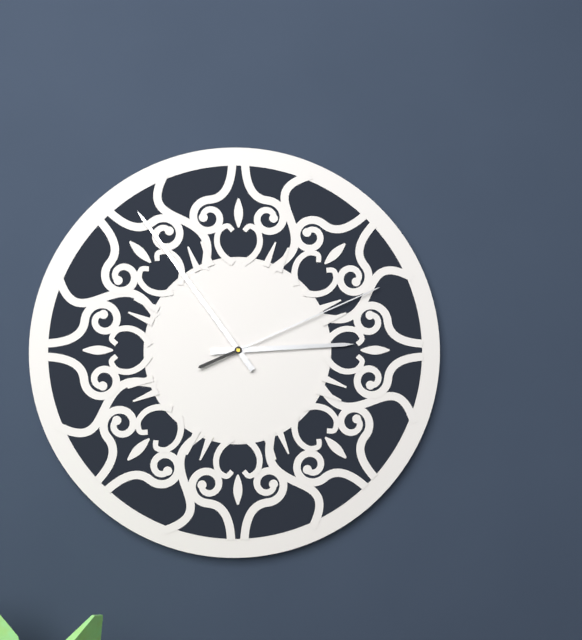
2:54:11
